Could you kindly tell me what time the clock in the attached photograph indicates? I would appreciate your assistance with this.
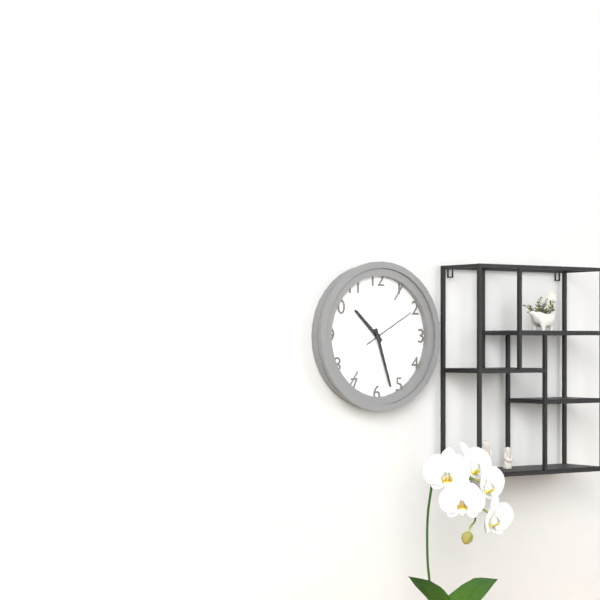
10:27:10
